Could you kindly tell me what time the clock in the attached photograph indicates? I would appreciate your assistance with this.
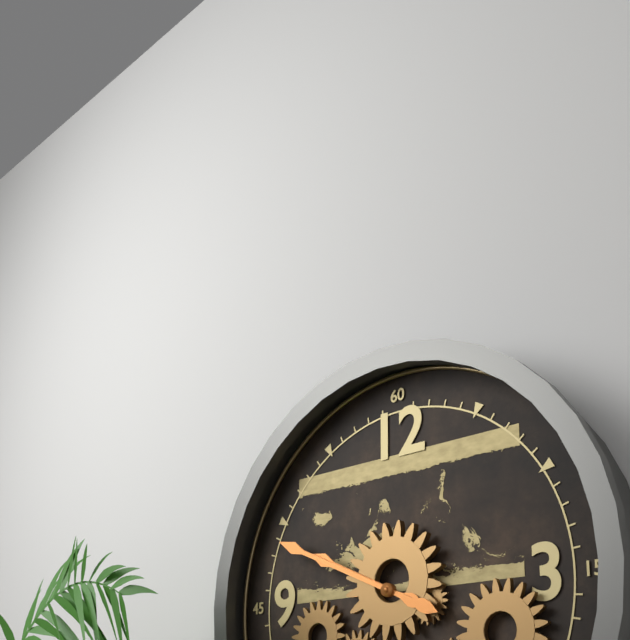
9:49
